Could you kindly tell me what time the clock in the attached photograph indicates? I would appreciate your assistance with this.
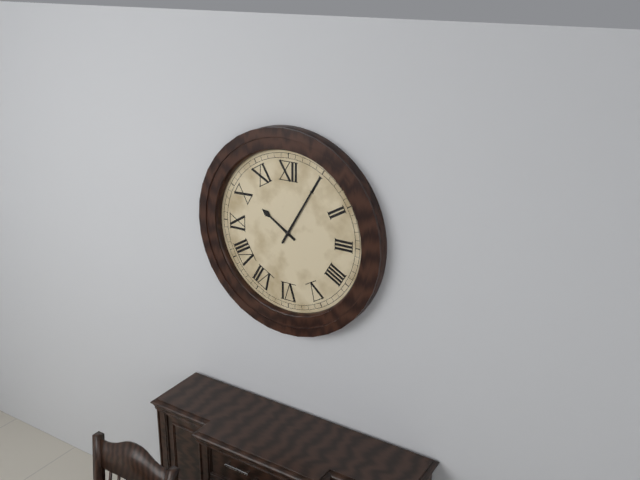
10:05
